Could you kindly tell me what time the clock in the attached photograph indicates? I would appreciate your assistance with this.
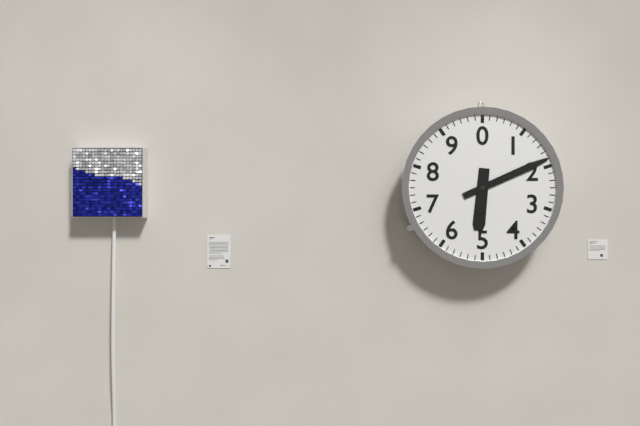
6:11
